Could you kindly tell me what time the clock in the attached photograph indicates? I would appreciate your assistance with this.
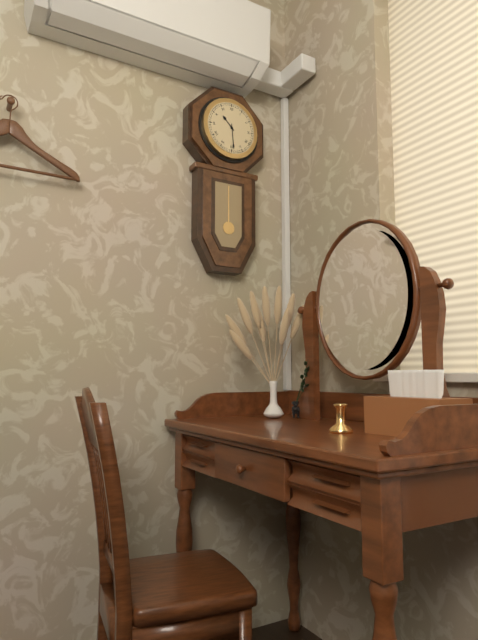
10:29
